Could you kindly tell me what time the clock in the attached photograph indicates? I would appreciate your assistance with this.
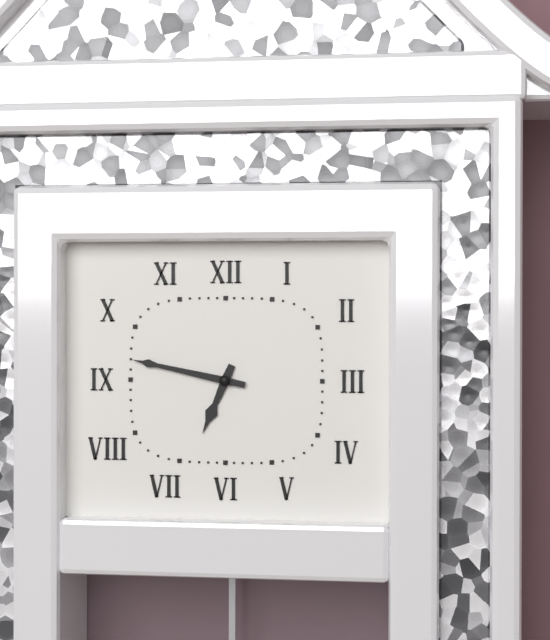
6:47
